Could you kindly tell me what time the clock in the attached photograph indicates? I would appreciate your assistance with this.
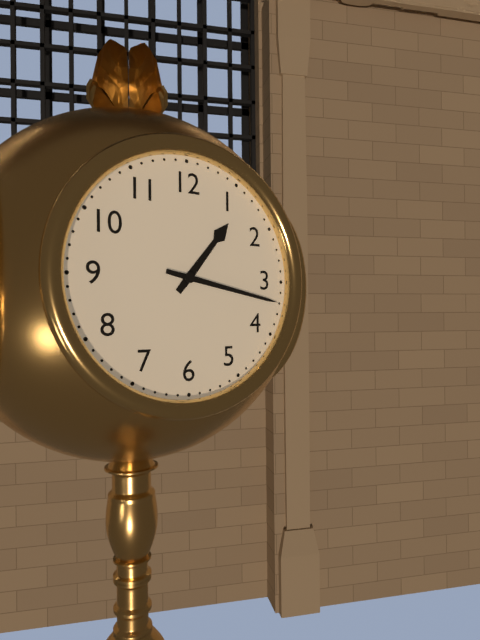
1:17
